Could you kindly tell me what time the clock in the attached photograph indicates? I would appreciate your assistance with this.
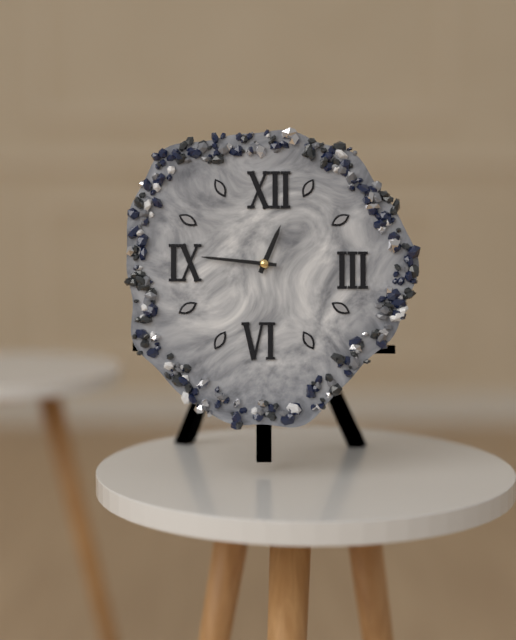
12:46
